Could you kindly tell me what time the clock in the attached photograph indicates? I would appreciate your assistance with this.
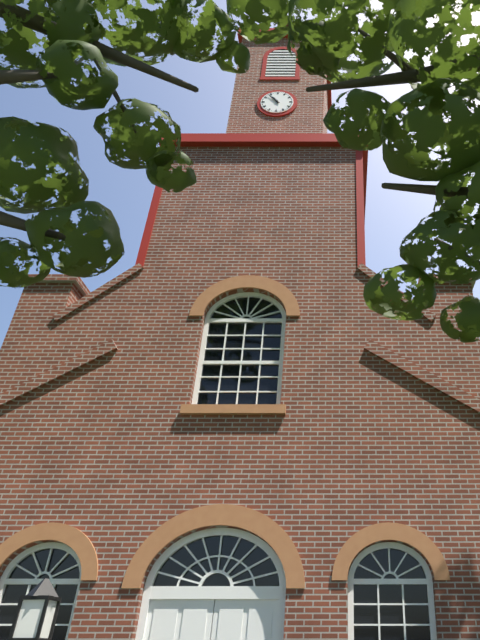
10:53
